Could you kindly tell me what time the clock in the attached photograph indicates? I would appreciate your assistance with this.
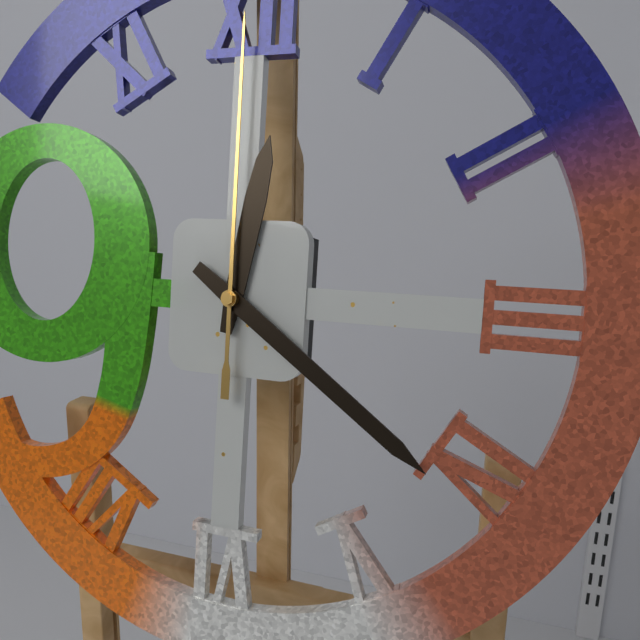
12:21:00
